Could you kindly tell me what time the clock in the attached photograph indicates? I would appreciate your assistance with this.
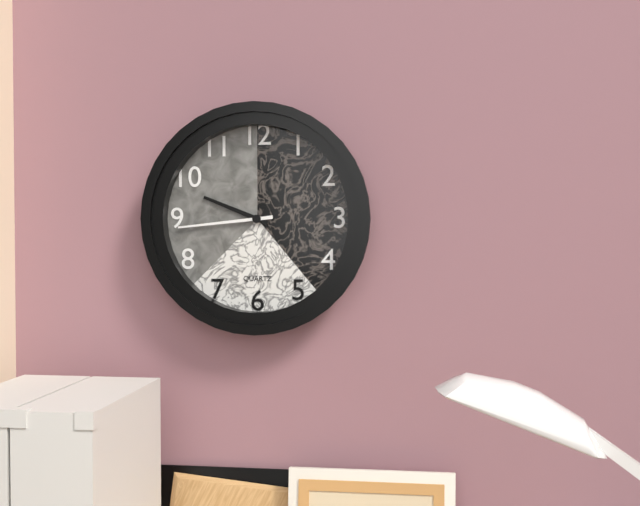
9:44
